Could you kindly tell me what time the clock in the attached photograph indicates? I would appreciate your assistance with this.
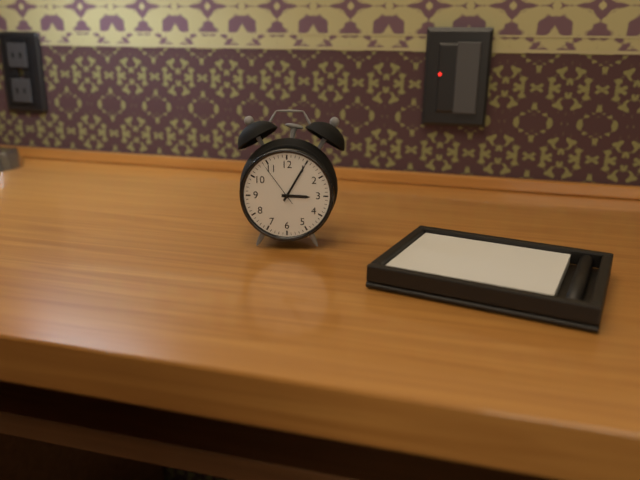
3:05
